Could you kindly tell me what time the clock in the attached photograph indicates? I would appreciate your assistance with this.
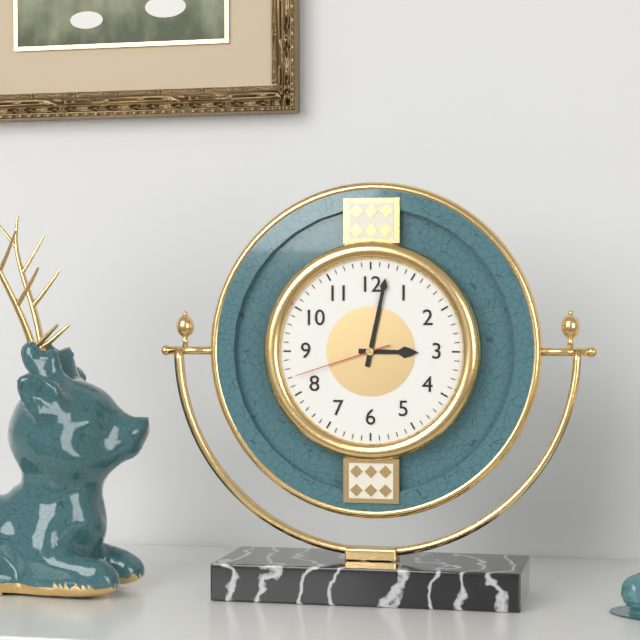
3:02:42
